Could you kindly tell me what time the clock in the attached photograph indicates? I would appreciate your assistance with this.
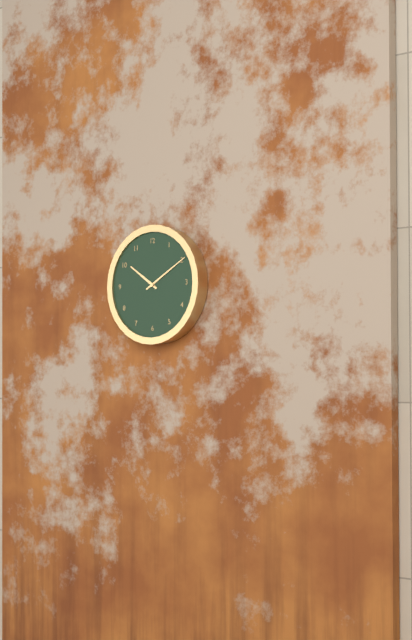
10:10
